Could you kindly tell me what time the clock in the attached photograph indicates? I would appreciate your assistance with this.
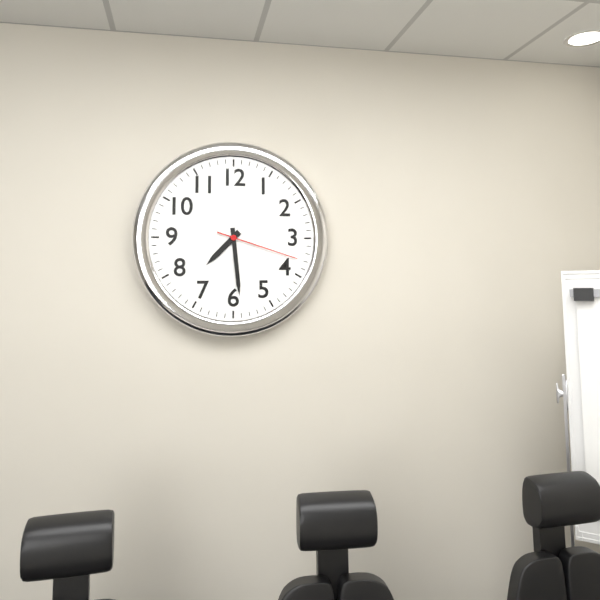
7:29:18
